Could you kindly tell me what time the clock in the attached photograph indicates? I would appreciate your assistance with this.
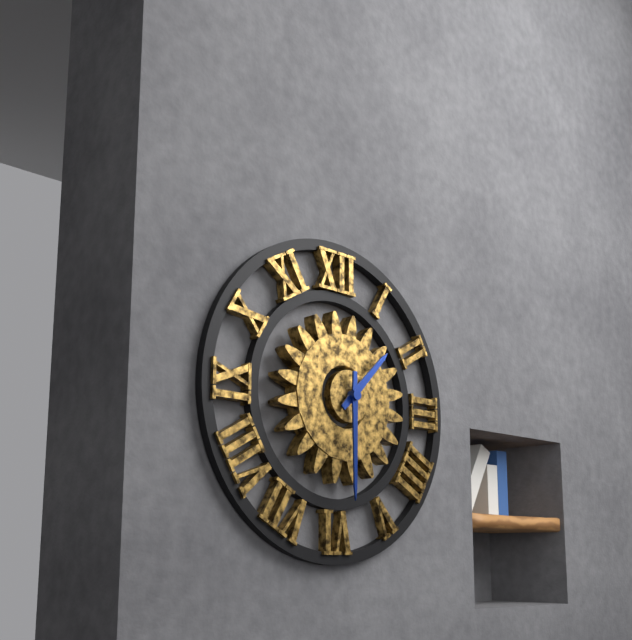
1:30
